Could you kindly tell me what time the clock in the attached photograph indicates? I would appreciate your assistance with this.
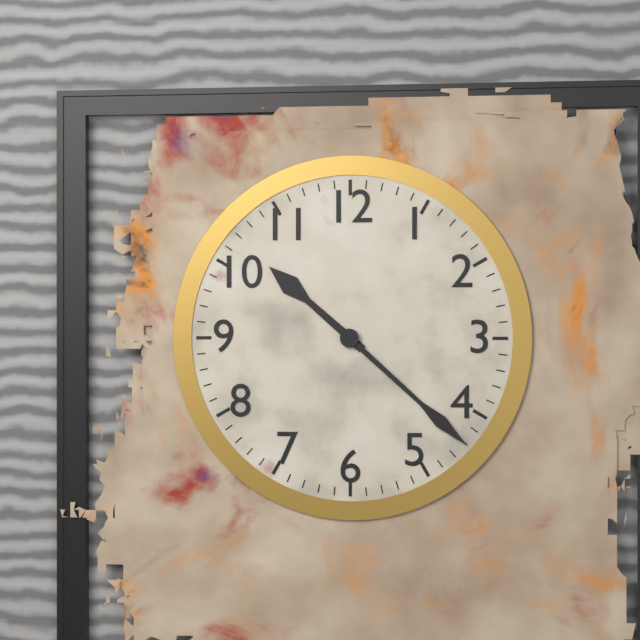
10:22
